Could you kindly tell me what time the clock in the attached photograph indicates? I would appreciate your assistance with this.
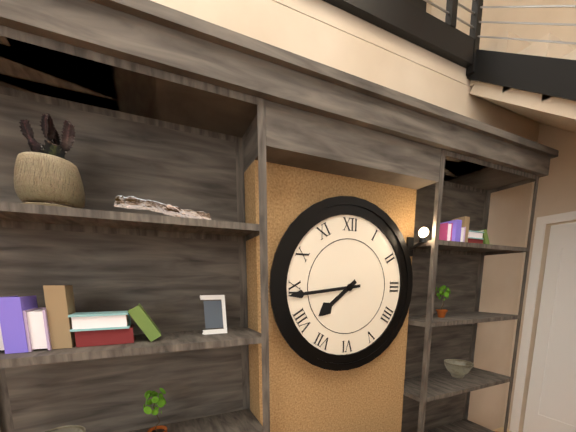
7:44
